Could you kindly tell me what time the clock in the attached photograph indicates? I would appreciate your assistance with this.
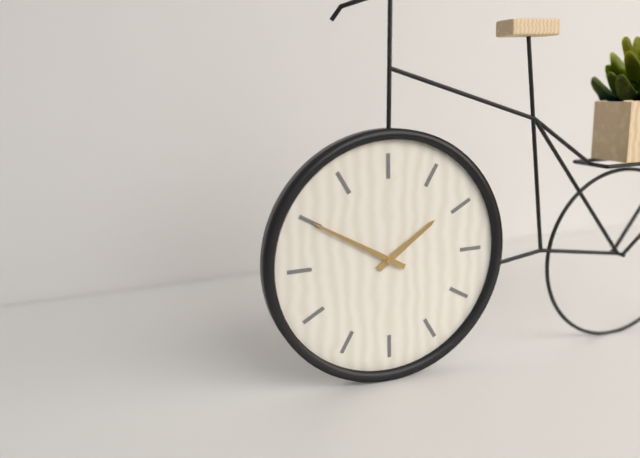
1:50
